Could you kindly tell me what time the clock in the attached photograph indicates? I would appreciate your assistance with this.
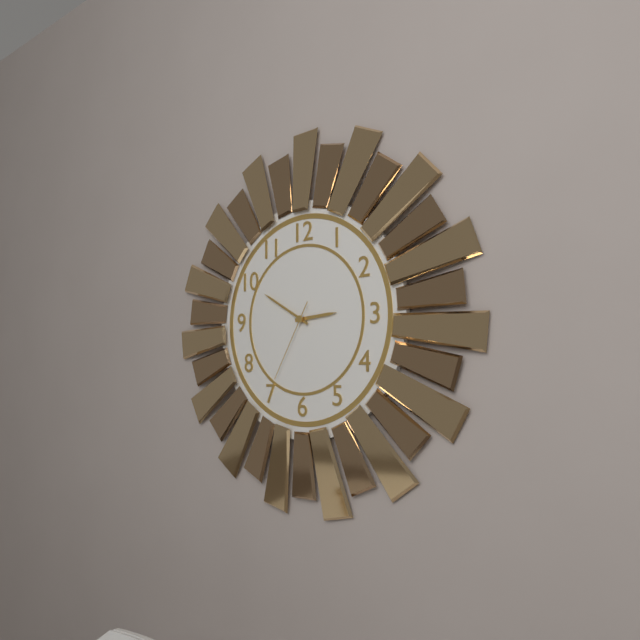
2:50:35
